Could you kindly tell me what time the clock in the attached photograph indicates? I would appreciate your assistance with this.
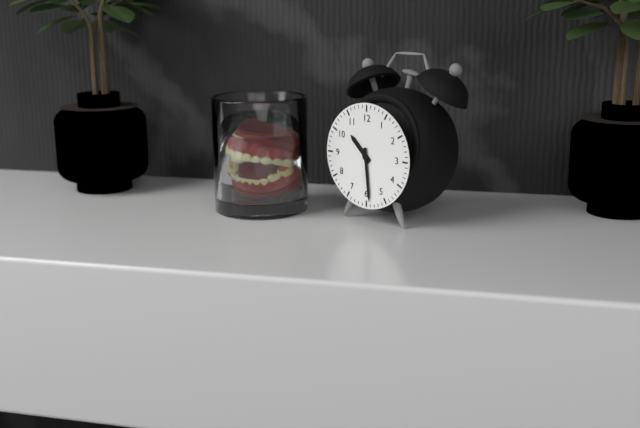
10:29
